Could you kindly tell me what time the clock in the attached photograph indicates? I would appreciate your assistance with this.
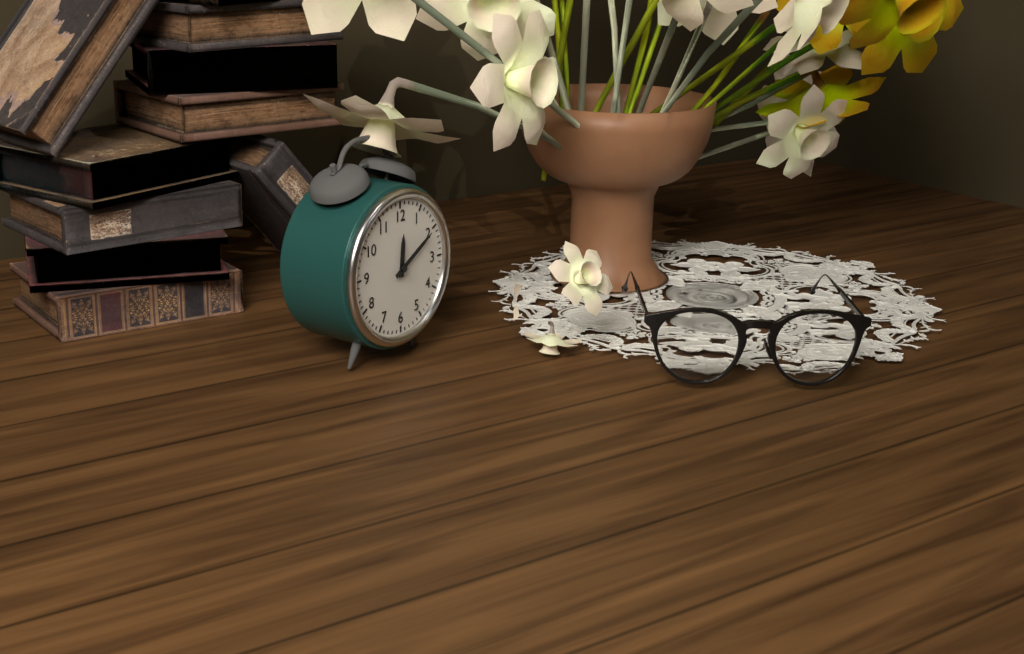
12:10
